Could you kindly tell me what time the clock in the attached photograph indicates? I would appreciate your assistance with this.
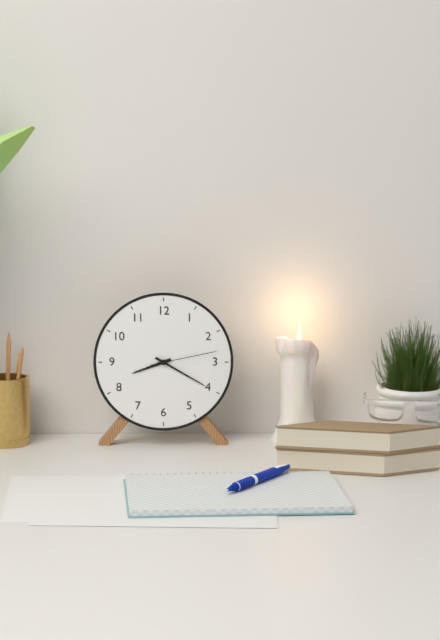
8:20:13
